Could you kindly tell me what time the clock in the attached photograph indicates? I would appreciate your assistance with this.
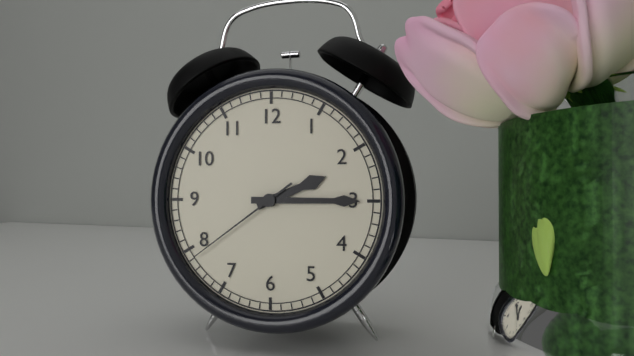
2:15:39
